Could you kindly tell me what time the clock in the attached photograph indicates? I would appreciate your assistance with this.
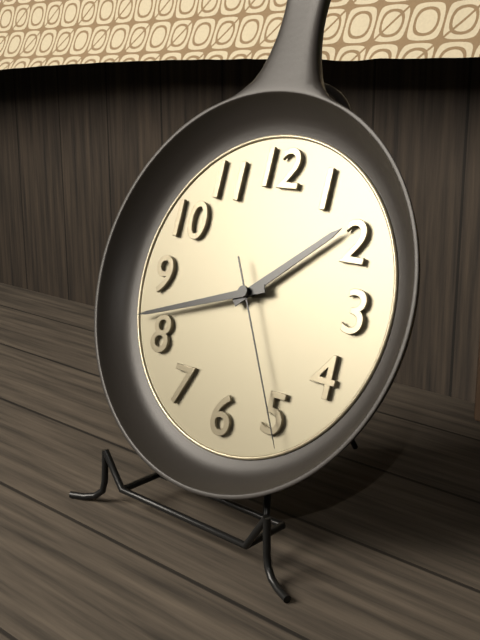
1:42:25
